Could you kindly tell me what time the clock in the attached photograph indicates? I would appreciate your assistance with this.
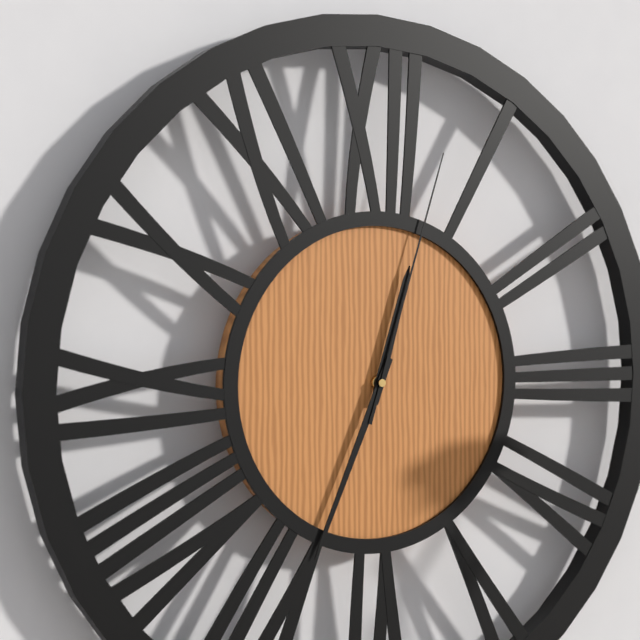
12:34:03
